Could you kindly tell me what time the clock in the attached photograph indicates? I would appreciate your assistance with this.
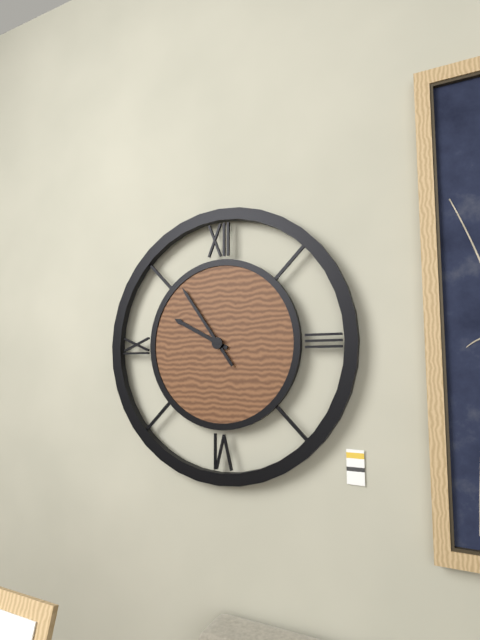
9:54
